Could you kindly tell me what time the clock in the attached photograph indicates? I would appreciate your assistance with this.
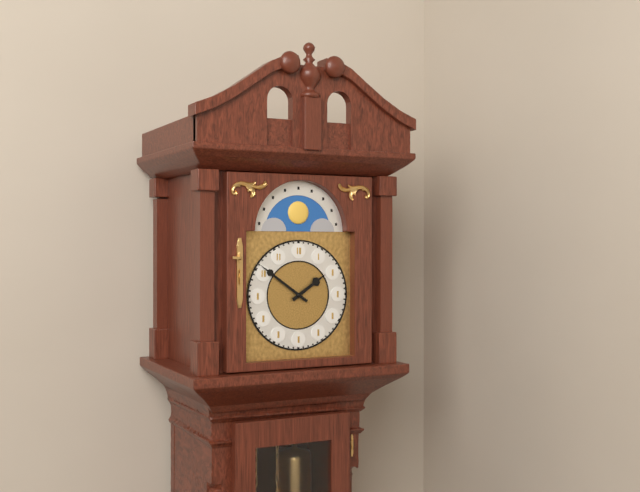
1:51
